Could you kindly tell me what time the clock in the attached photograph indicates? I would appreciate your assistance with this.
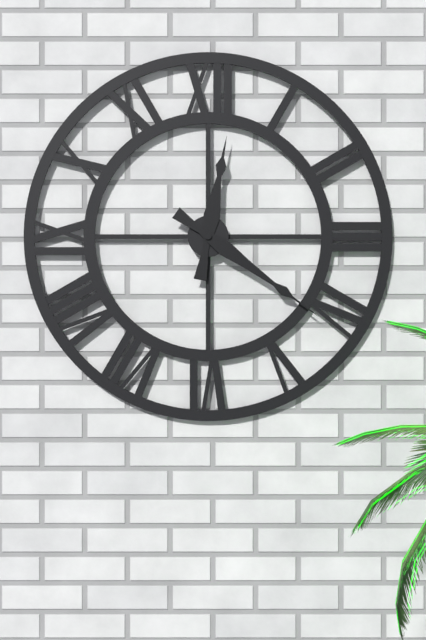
12:21
